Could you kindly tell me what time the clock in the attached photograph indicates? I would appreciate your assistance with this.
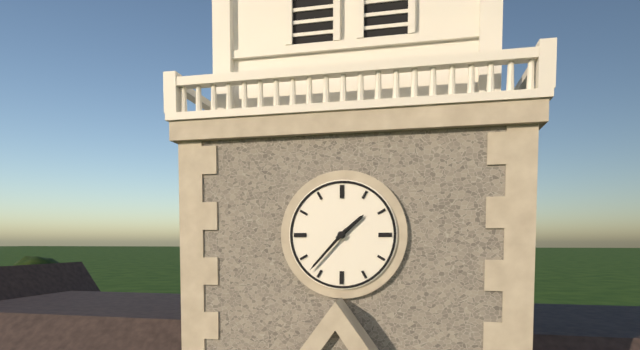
1:37
